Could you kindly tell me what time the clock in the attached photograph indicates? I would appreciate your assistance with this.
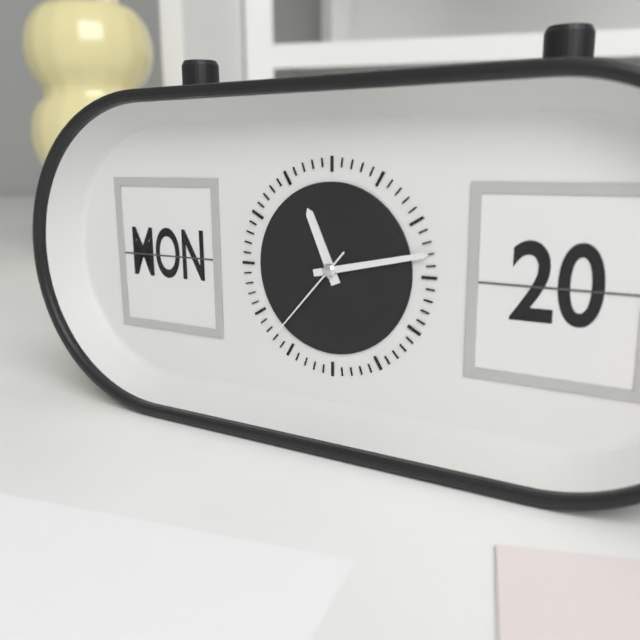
11:13:37
